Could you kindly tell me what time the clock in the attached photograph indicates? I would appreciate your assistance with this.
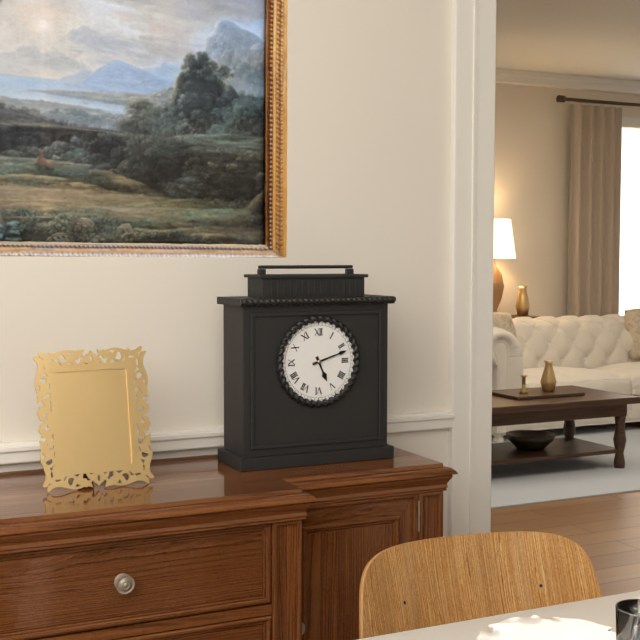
5:12
